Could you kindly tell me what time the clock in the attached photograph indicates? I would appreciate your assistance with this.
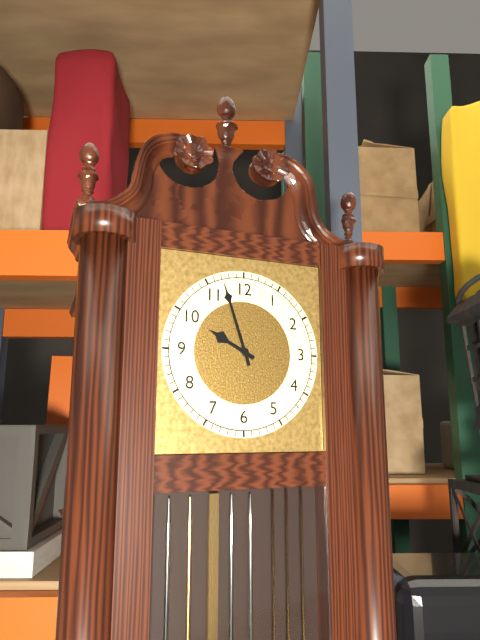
9:57
